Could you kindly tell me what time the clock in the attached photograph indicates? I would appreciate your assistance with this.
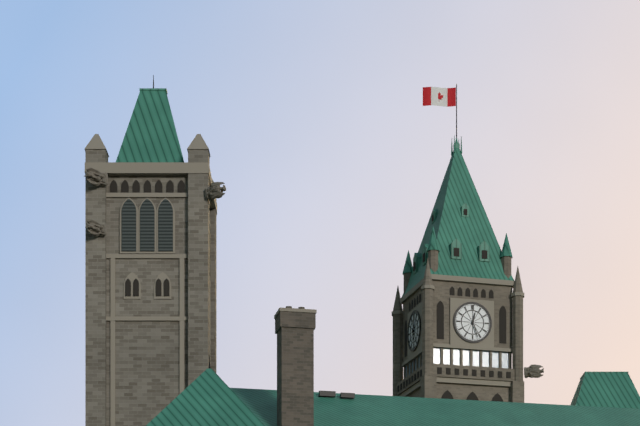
12:27
